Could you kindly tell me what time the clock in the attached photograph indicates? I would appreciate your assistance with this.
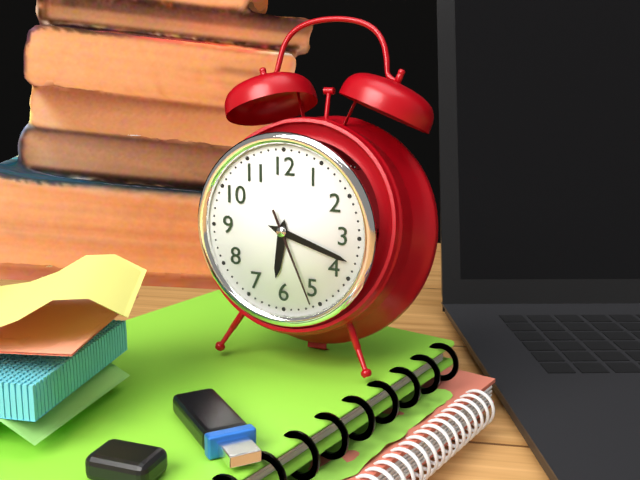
6:18:26
